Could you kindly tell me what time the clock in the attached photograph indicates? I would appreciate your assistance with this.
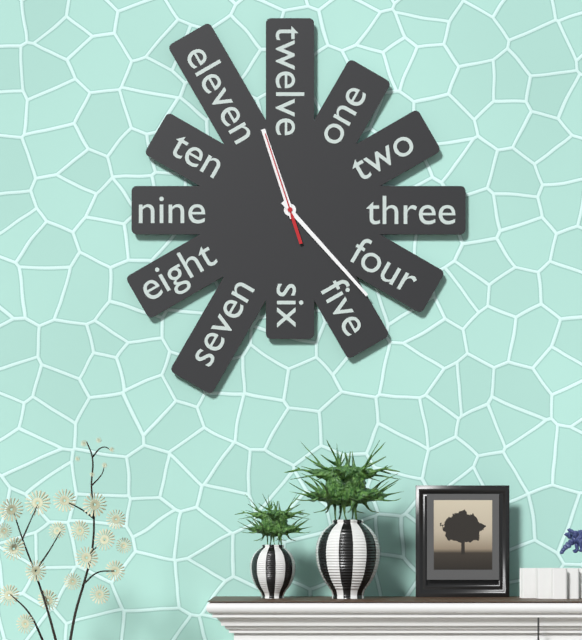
11:23:57
